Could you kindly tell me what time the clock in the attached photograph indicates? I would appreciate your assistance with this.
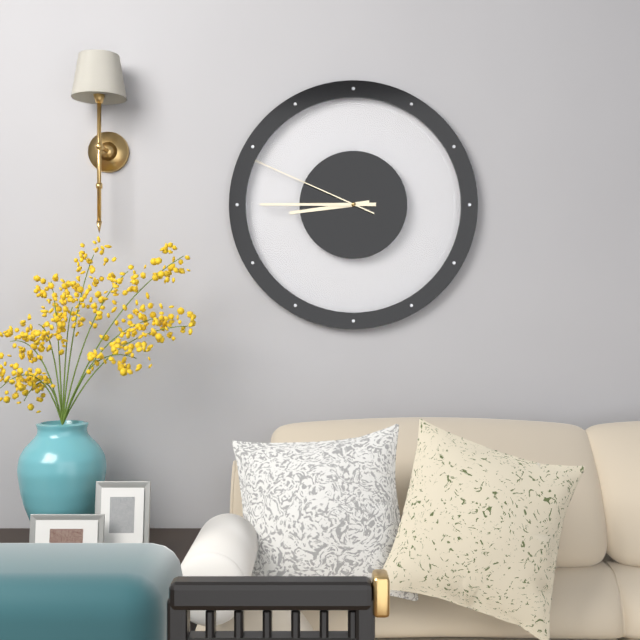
8:45:49
